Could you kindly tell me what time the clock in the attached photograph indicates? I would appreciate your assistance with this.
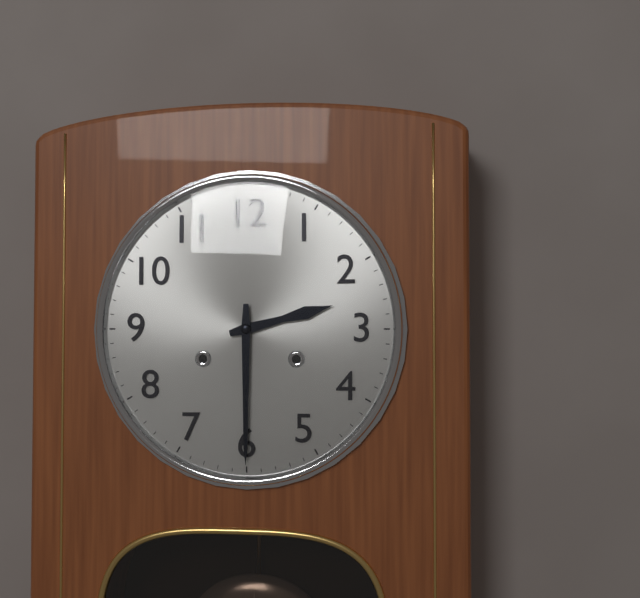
2:30
